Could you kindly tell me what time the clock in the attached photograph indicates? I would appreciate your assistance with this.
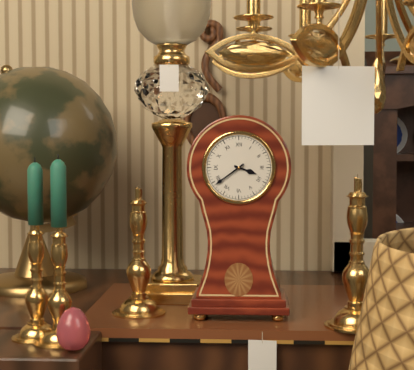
3:39
